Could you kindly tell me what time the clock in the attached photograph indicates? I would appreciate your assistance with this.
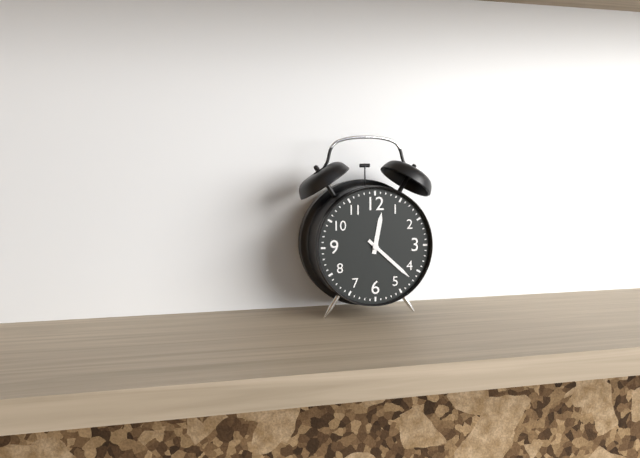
12:22
